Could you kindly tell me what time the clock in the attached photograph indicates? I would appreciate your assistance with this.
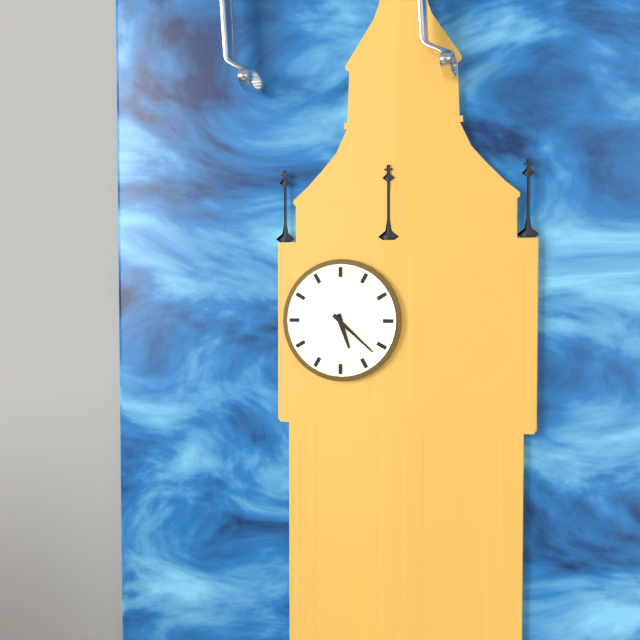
5:22
